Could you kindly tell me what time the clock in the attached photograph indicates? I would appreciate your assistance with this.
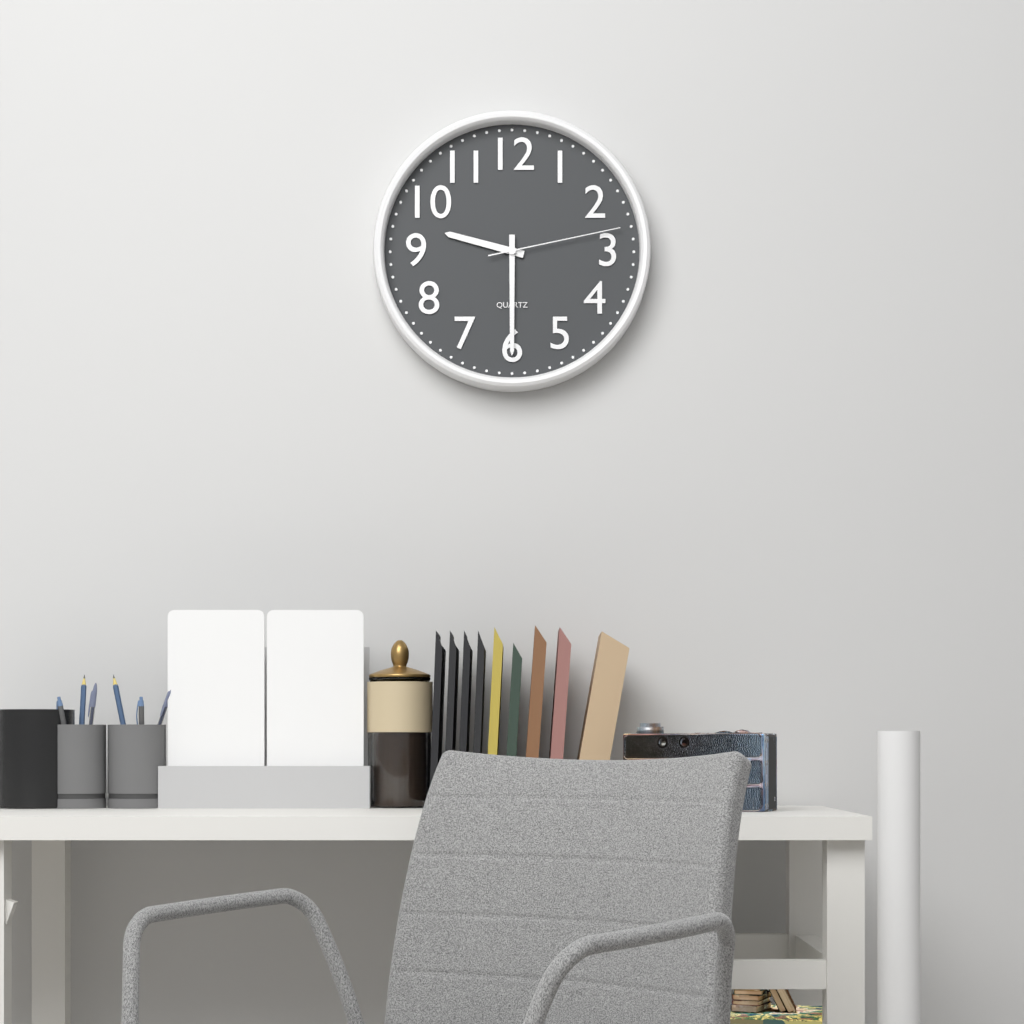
9:30:13
